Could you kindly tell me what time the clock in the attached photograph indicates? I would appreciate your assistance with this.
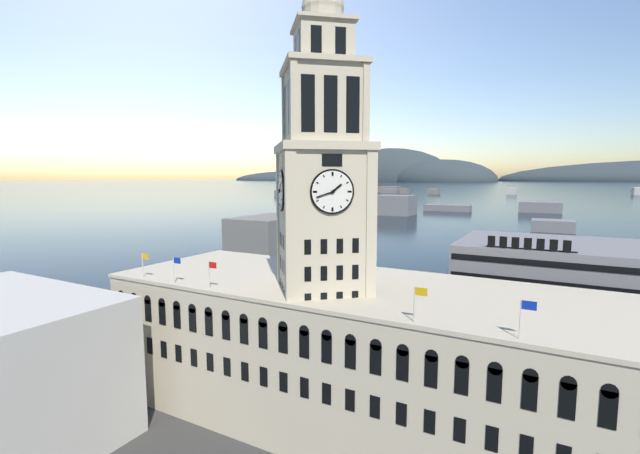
1:42
